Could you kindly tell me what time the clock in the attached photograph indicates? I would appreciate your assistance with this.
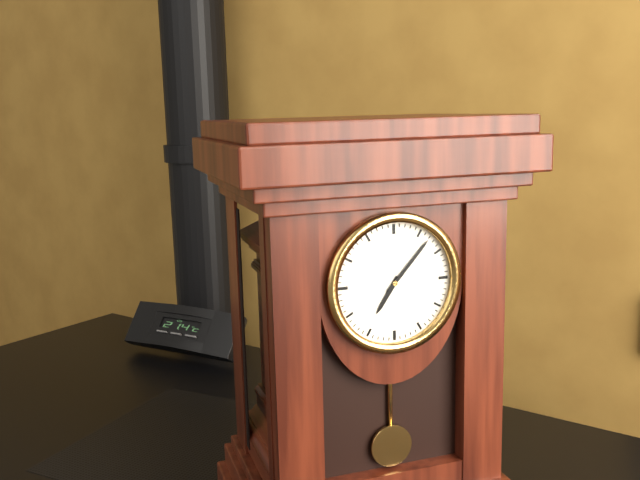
7:07
